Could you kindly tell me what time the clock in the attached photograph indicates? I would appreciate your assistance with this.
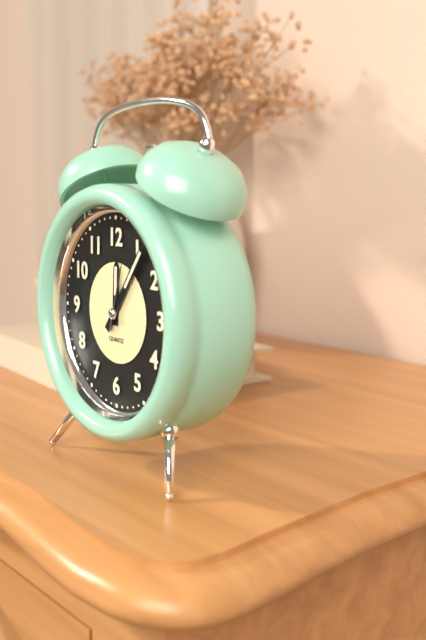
12:06:03
